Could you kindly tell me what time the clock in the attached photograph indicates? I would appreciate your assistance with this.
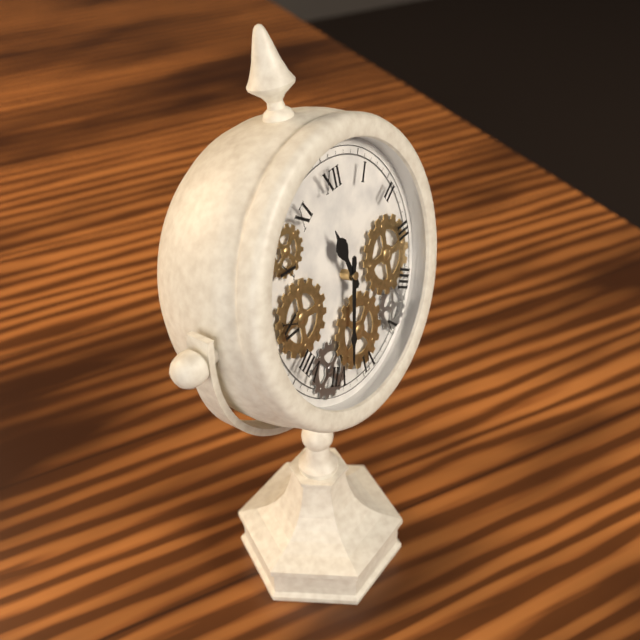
11:33
